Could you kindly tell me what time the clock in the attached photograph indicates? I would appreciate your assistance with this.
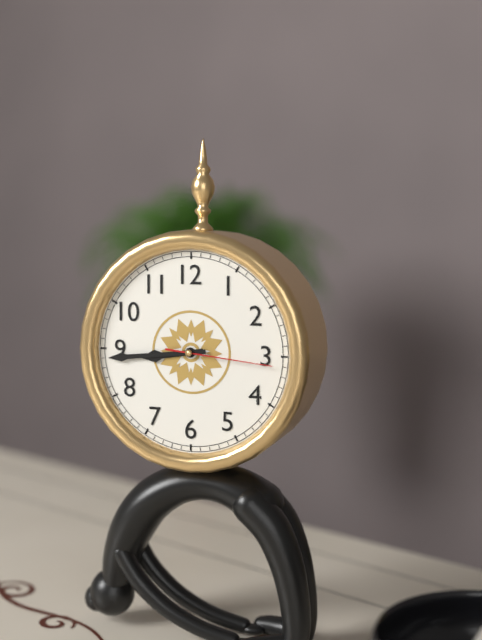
8:44:16
